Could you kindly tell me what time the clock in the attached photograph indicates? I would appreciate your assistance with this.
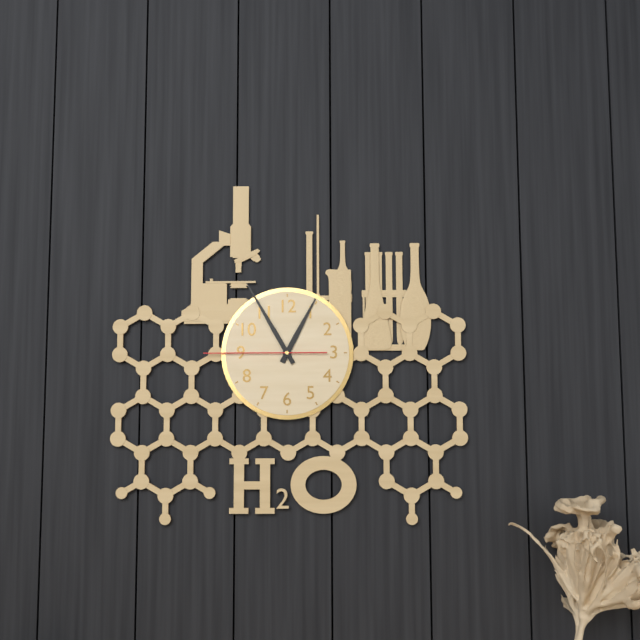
12:55:45
